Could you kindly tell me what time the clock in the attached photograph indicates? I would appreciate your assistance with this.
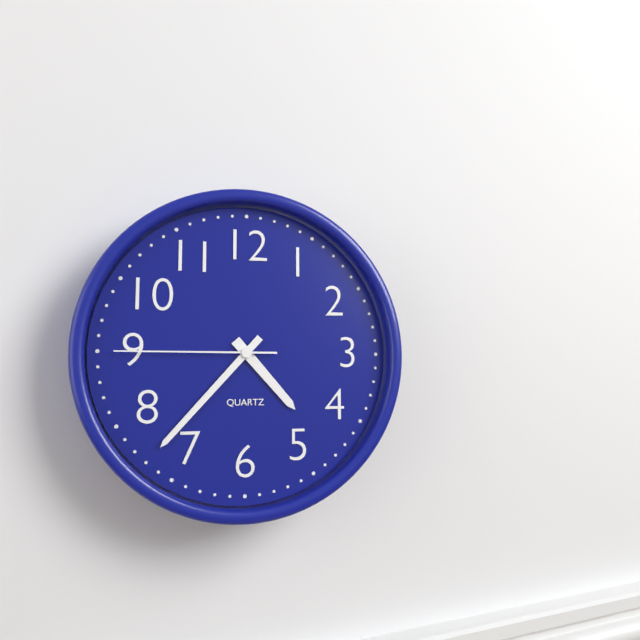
4:37:45
